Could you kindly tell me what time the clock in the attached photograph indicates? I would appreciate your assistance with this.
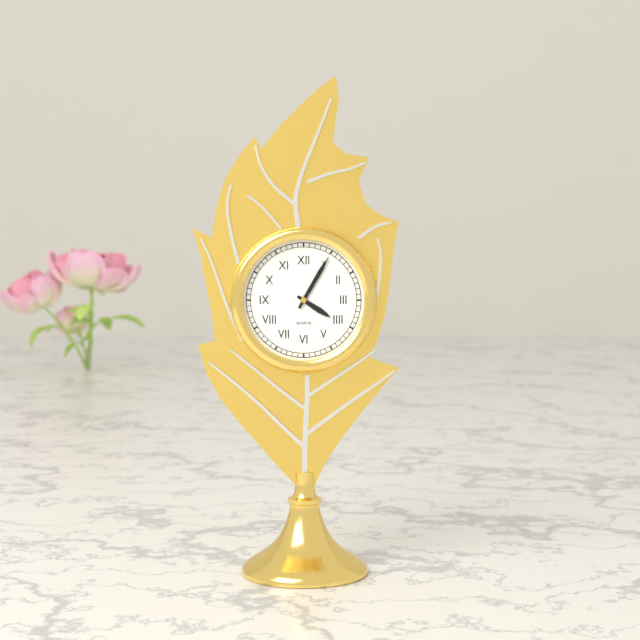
4:05
